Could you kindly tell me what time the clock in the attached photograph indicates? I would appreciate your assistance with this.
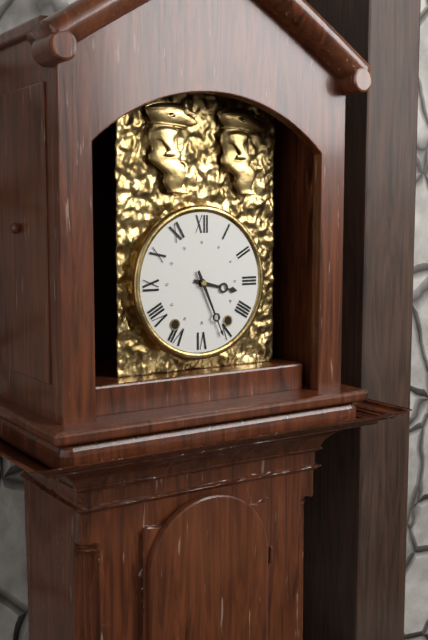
3:26
